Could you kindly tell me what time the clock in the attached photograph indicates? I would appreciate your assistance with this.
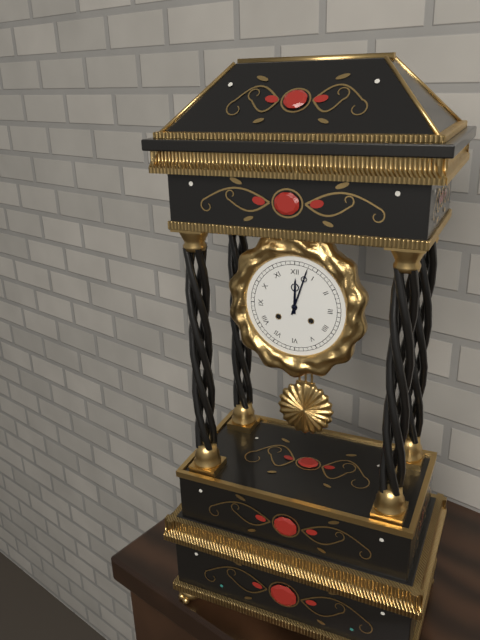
12:03
